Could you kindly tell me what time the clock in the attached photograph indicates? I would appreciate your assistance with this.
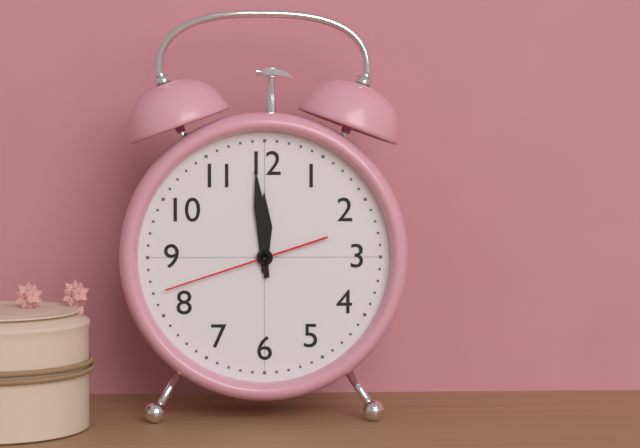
11:59:42
